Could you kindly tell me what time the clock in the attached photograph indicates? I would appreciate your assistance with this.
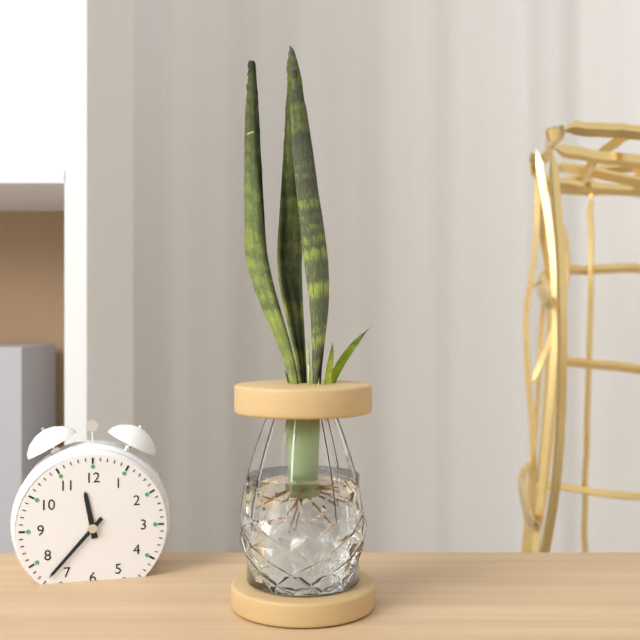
11:37
